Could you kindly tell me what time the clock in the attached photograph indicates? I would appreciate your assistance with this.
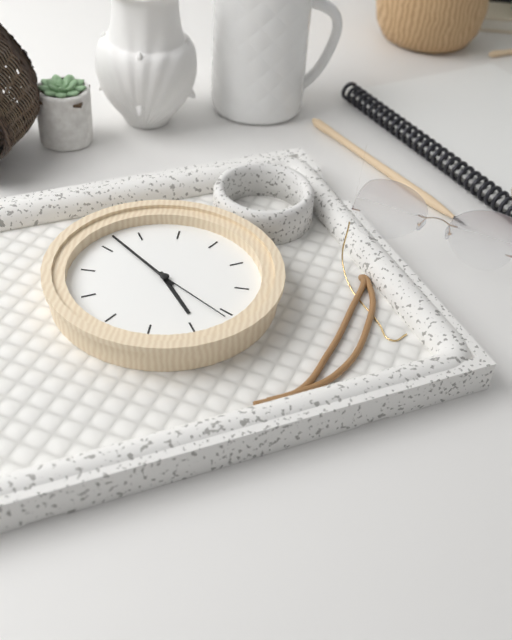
4:52:21
